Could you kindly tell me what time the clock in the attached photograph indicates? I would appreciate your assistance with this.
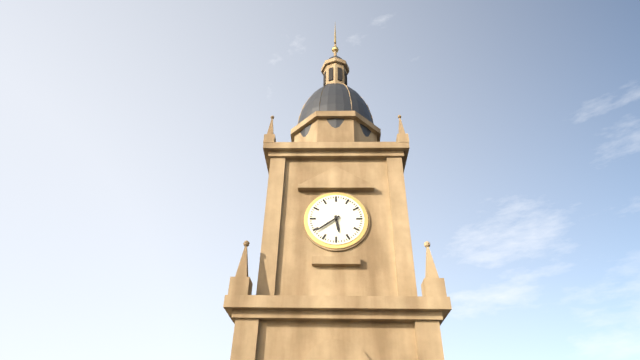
5:39
